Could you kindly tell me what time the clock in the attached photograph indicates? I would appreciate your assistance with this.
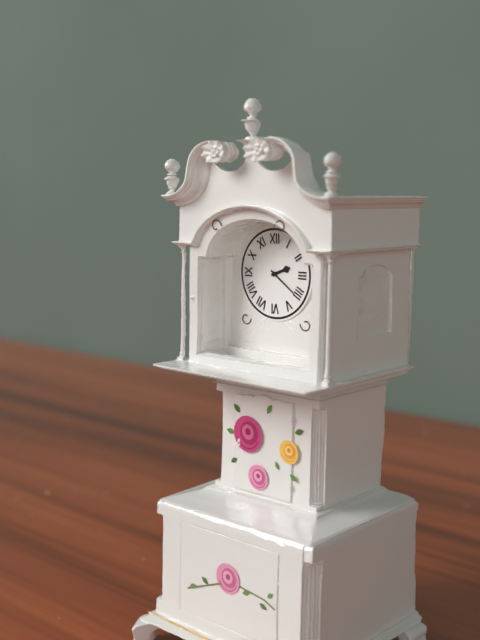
2:21
